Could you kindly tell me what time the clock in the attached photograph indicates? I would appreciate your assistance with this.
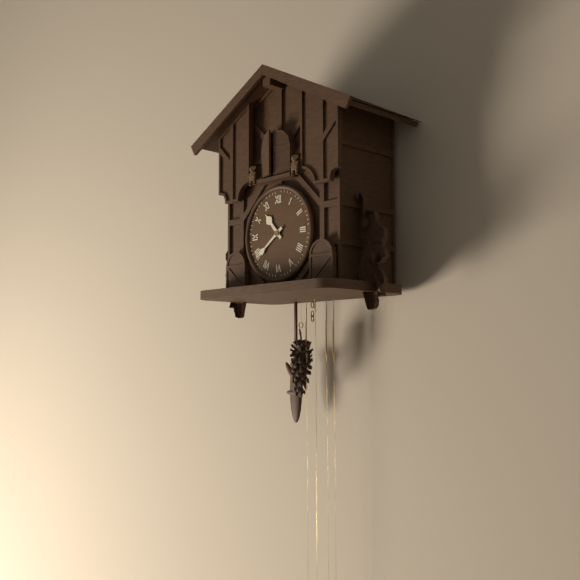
10:39
